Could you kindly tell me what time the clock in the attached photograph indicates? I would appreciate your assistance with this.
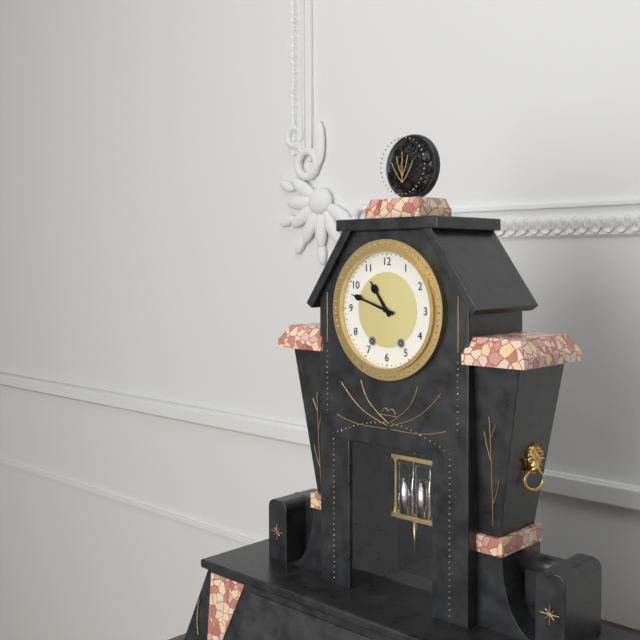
10:48
